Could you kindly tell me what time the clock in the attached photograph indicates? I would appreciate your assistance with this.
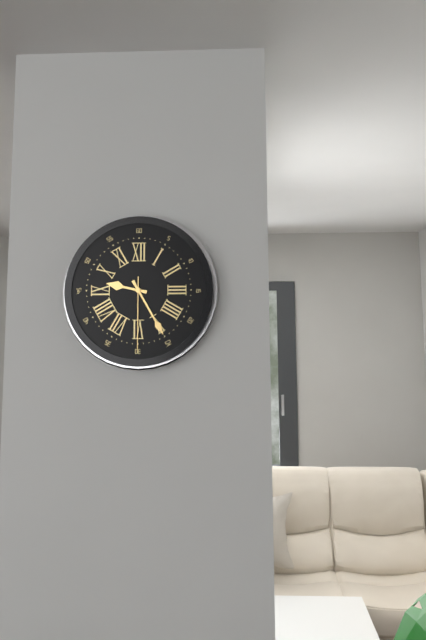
9:25:30
